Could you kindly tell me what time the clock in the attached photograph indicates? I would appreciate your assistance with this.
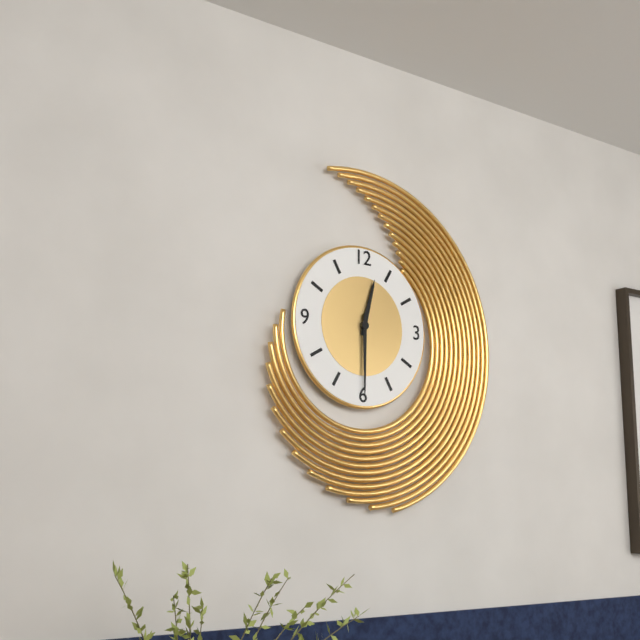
12:30
